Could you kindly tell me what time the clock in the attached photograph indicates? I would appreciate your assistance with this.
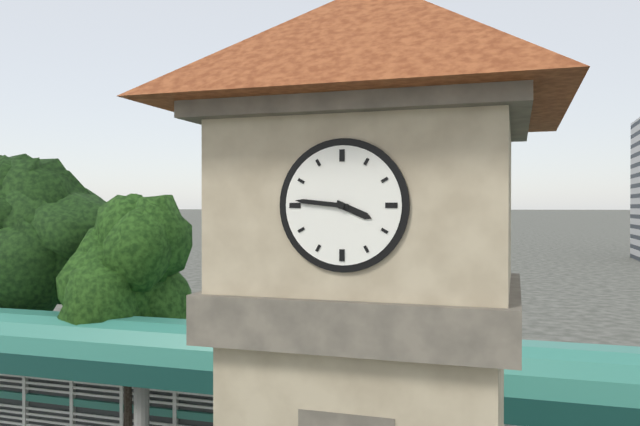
3:46
